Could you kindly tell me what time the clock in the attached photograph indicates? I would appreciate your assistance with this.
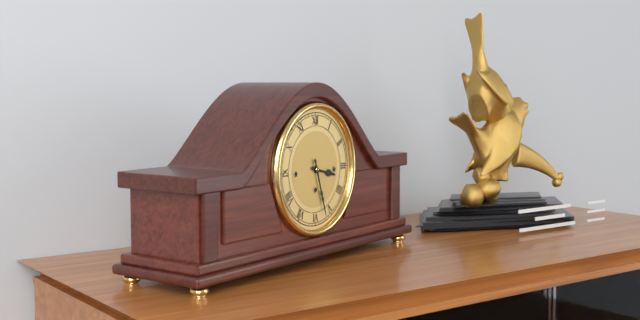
3:27
